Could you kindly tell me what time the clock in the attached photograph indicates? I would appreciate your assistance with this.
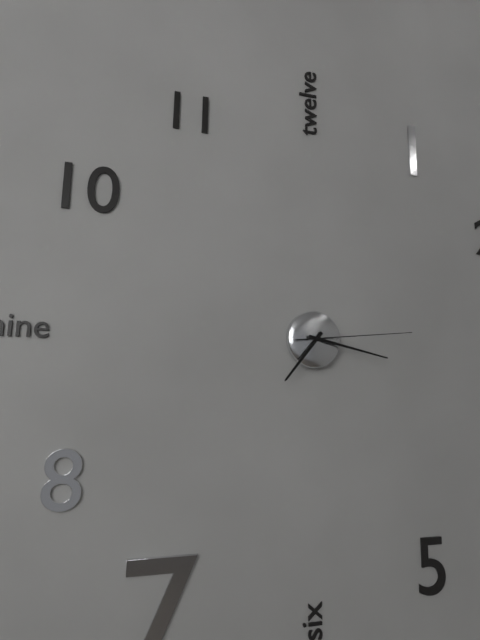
7:17:14
